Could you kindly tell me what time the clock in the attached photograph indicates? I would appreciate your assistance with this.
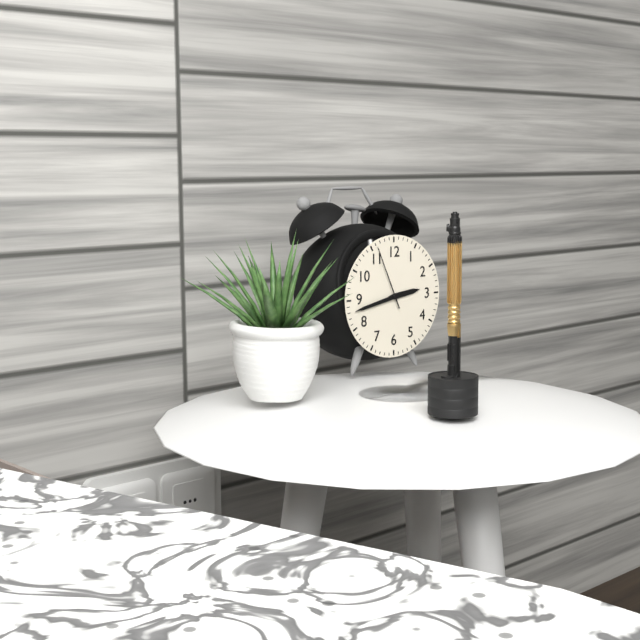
2:43:56
